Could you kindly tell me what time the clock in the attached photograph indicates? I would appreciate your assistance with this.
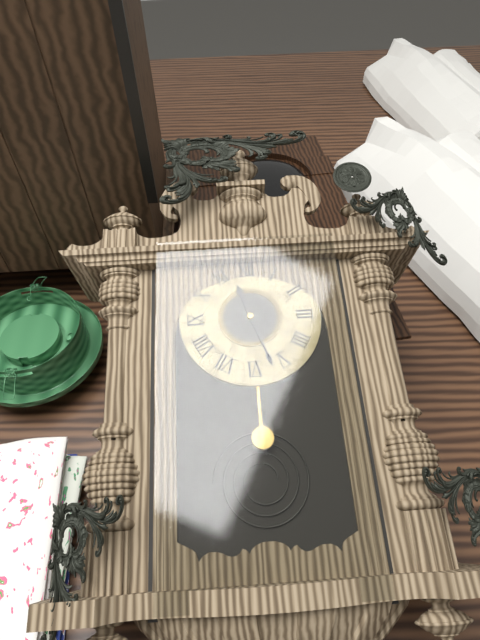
11:27
